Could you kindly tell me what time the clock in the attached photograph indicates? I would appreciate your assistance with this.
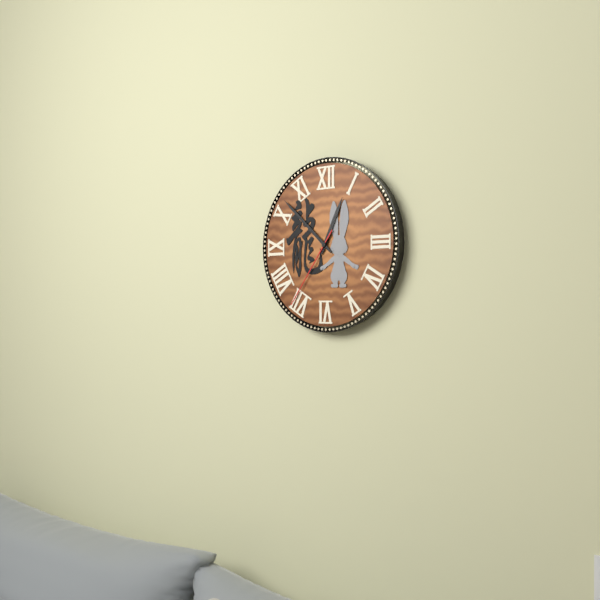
12:52:36
